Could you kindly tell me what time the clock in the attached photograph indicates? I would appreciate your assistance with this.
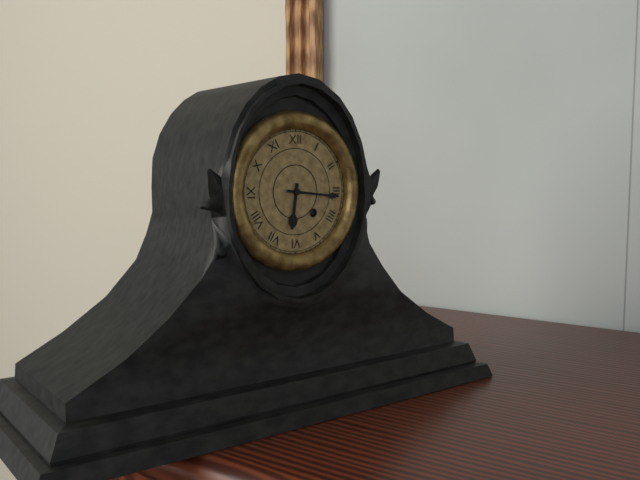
6:16
